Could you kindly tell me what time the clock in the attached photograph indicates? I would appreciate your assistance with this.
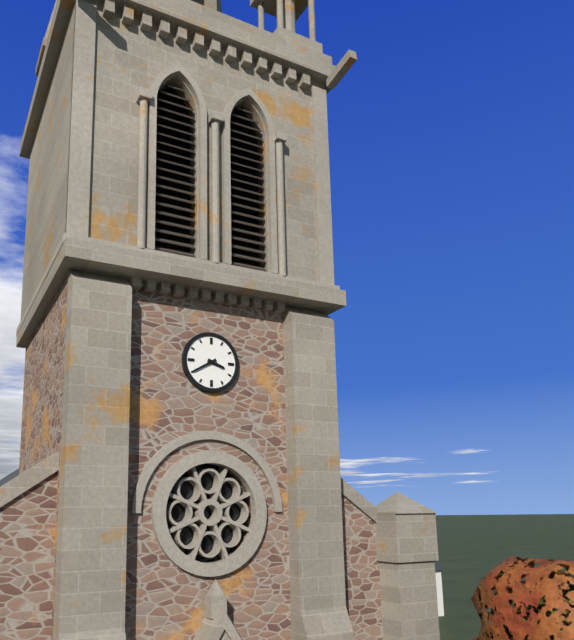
3:40
